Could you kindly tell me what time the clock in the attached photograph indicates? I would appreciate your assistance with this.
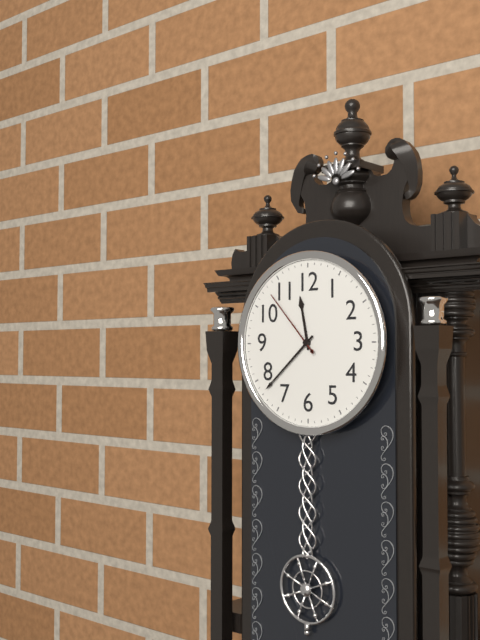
11:38:53
